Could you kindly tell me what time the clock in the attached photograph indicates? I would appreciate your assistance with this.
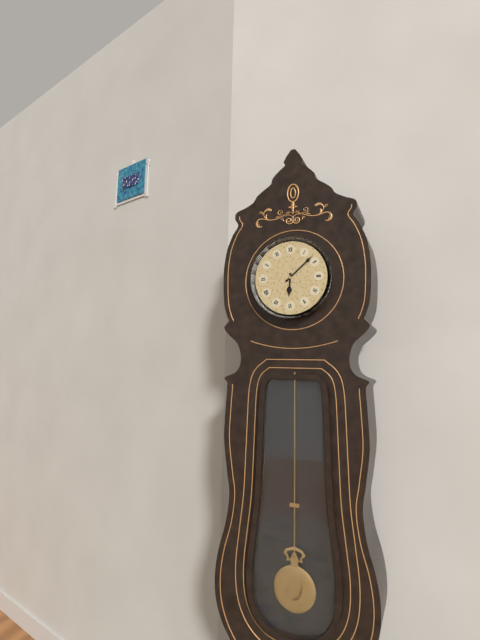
6:08
